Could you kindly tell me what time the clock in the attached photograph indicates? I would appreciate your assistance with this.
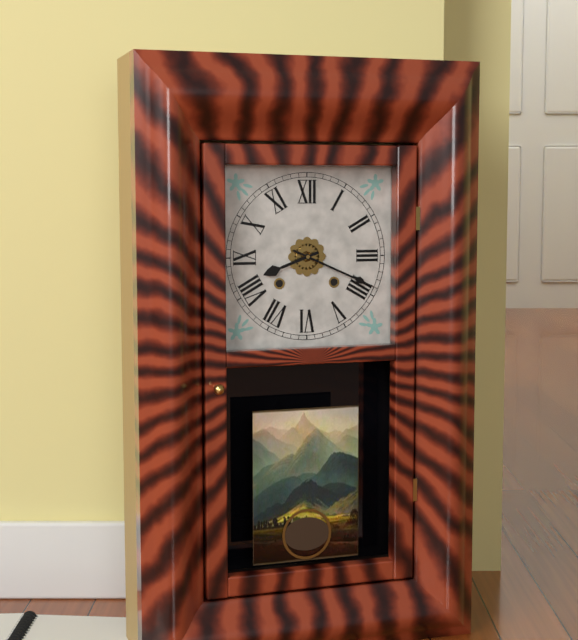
8:19
